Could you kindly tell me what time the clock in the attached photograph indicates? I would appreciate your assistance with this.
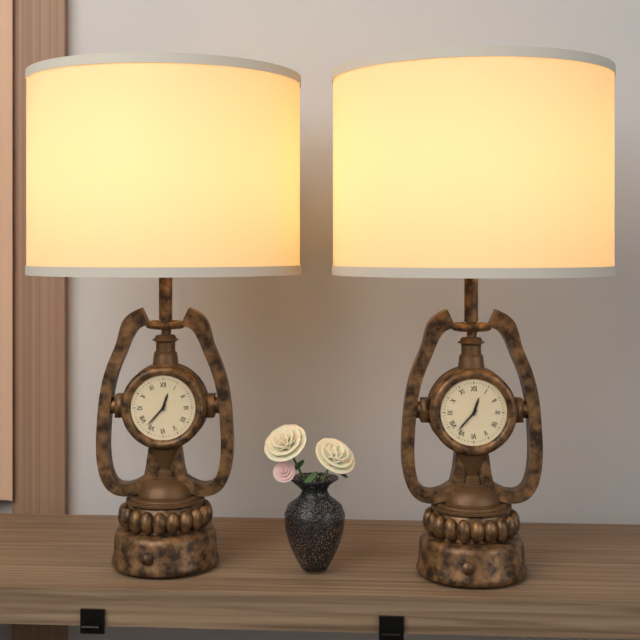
12:37
